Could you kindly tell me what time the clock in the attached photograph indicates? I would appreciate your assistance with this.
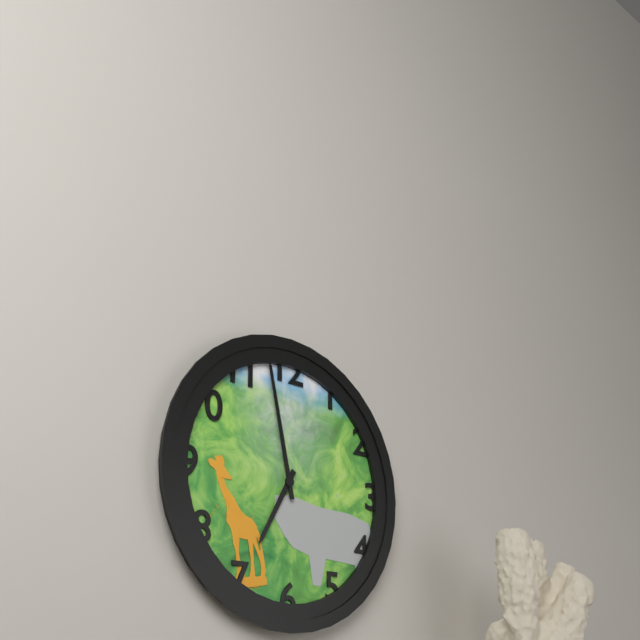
6:58
